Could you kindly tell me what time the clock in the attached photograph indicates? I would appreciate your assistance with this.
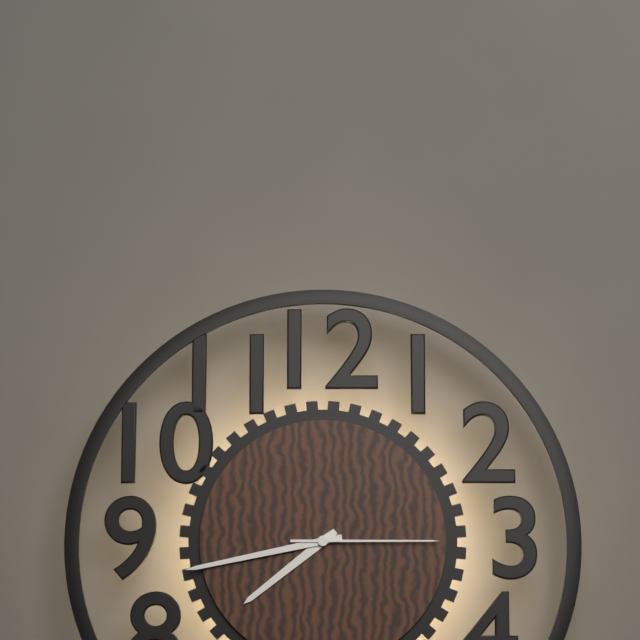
7:43:15
